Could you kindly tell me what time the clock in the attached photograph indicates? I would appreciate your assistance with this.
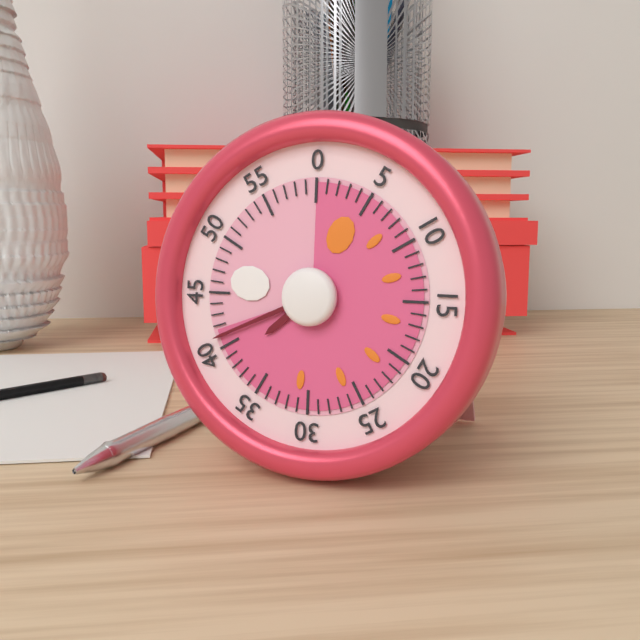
7:41
